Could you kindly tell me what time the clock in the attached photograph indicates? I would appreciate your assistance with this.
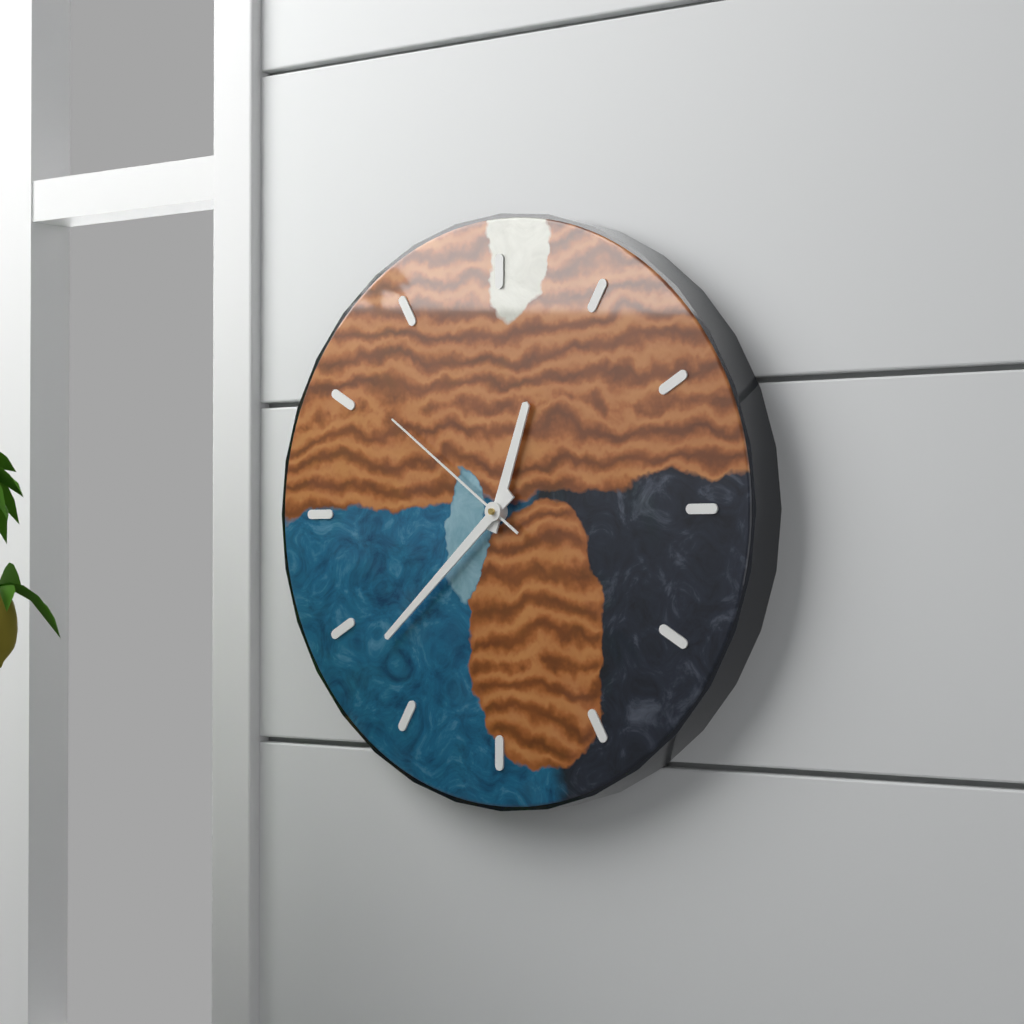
12:38:51
